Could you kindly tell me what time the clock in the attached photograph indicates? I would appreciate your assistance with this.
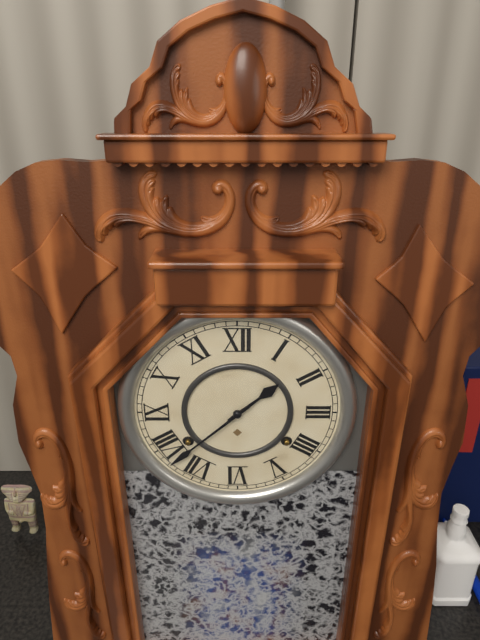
1:38
